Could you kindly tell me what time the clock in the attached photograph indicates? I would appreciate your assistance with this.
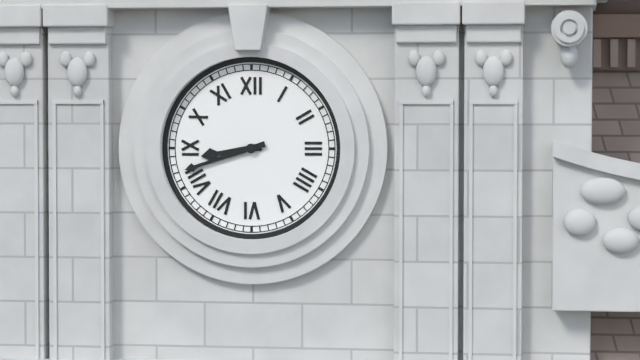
8:42
